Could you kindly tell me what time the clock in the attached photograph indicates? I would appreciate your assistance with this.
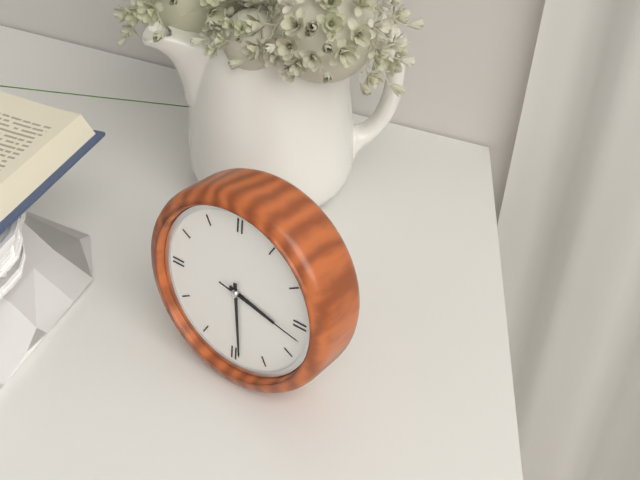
3:29:17
